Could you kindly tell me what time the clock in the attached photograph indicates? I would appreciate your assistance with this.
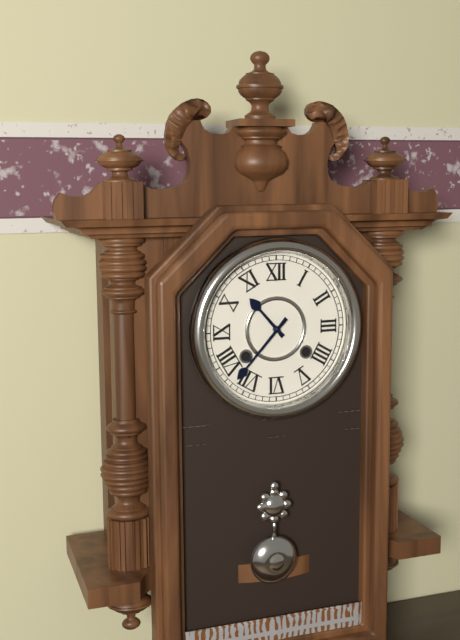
10:37
